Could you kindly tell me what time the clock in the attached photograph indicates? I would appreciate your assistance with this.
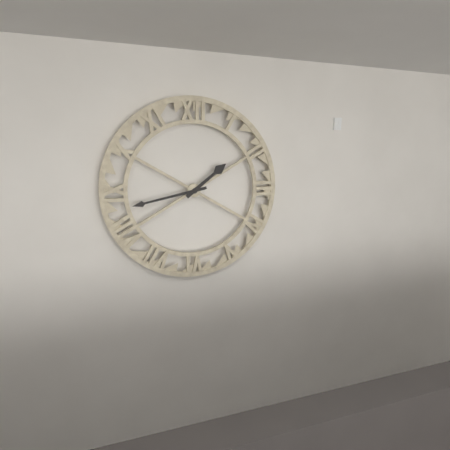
1:43
